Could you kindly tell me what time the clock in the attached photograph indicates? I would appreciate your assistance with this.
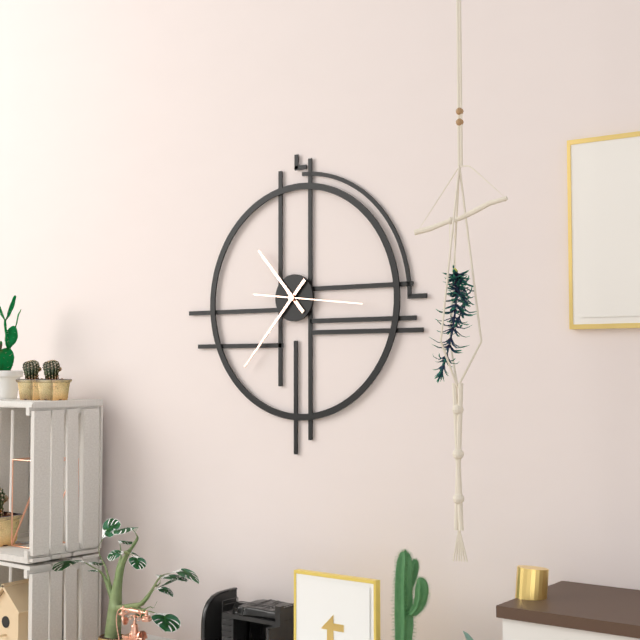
10:37:16
